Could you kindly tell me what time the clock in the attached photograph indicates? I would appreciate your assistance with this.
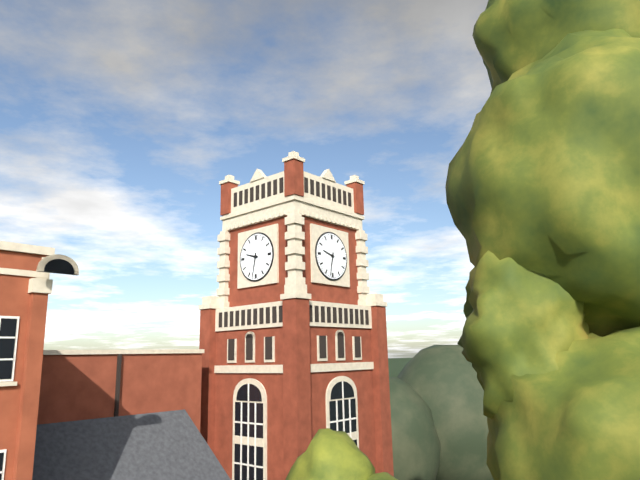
9:32
